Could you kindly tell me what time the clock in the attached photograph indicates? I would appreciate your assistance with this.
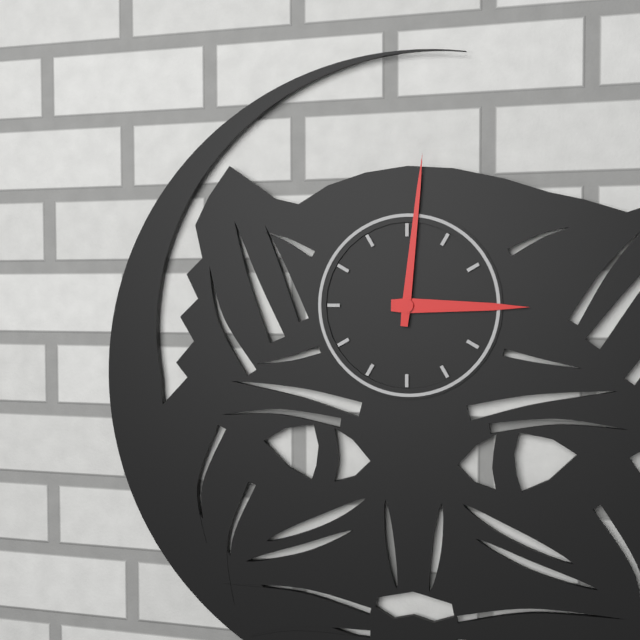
3:01
